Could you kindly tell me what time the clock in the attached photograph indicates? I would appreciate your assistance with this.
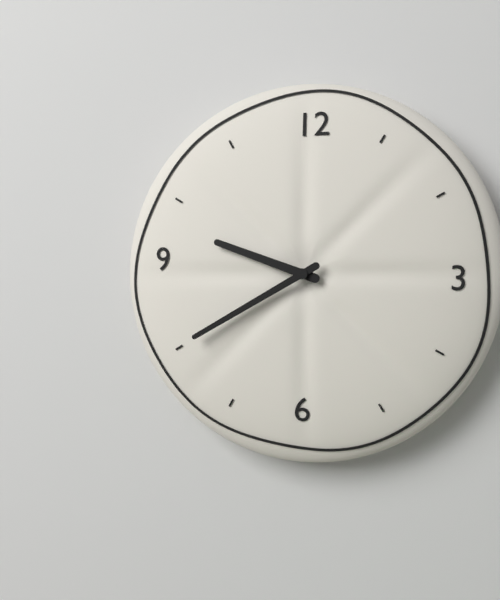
9:40
